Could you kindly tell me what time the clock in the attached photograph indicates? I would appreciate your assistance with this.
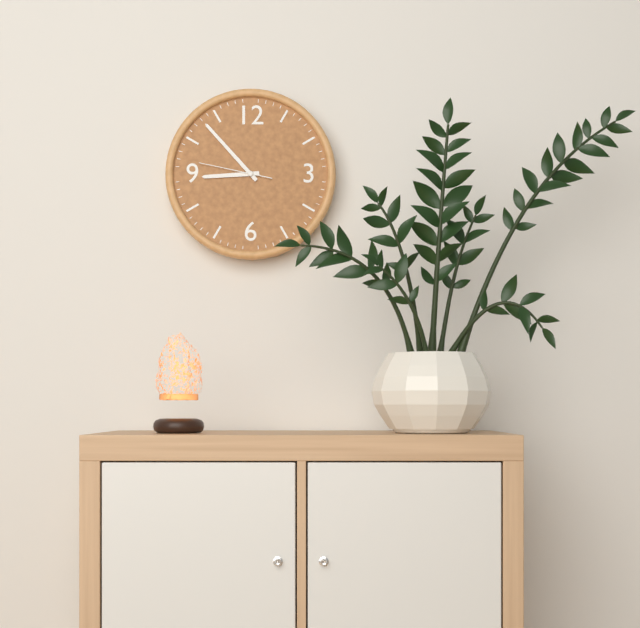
8:53:47
